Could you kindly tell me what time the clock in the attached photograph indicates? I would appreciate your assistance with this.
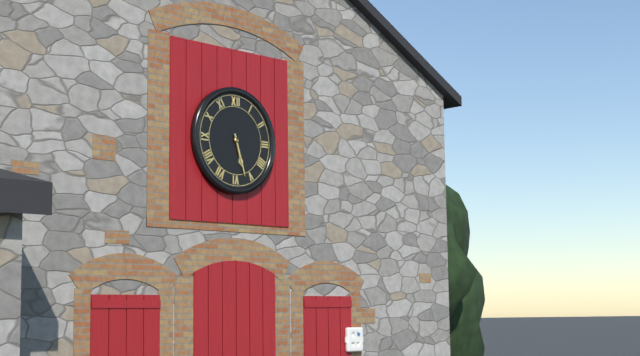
5:27
